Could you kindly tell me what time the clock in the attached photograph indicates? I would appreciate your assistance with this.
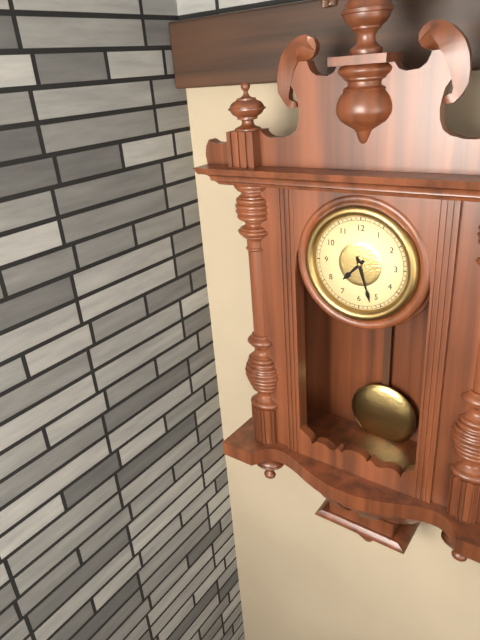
7:27
